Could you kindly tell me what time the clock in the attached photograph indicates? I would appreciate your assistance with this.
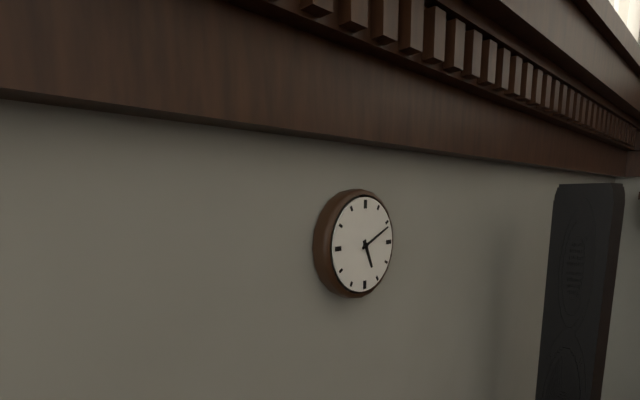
5:11
